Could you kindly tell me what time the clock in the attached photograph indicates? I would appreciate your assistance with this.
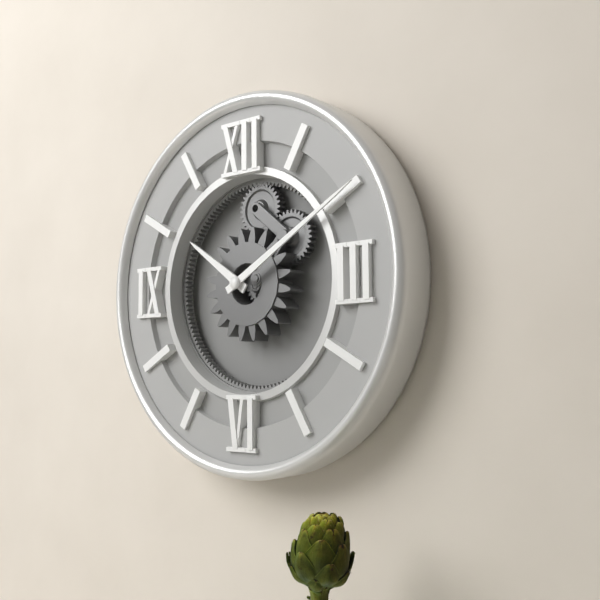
10:10
